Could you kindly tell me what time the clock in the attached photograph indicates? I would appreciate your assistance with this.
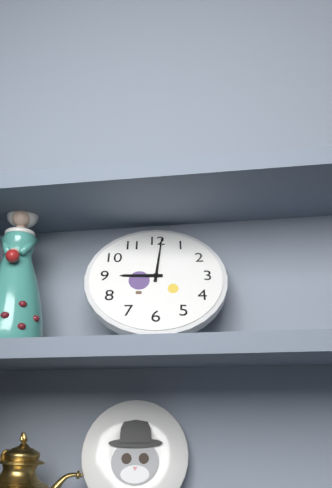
9:01
